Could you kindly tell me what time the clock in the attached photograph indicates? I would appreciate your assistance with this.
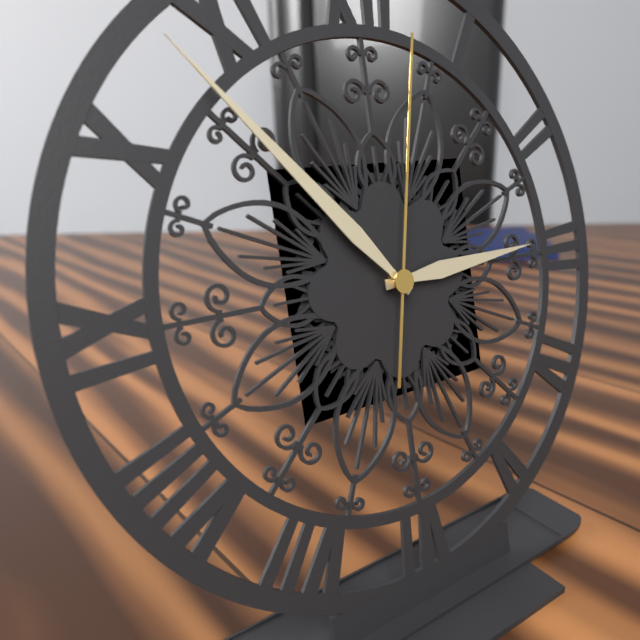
2:53:02
